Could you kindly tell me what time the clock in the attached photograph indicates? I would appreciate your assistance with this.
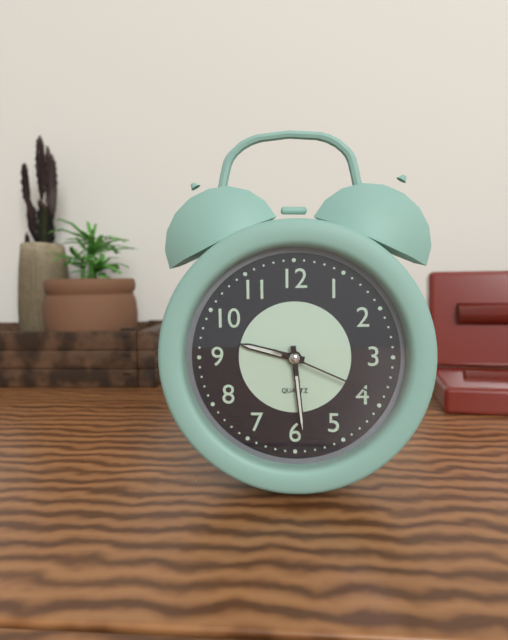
9:29:19
